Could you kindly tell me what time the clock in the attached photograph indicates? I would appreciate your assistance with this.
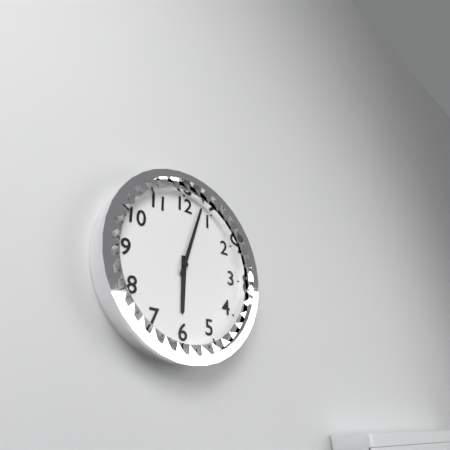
6:03
